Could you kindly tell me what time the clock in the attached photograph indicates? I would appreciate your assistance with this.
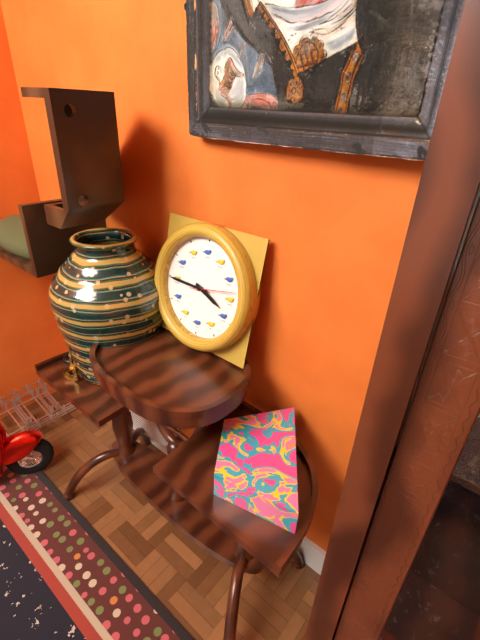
3:45
